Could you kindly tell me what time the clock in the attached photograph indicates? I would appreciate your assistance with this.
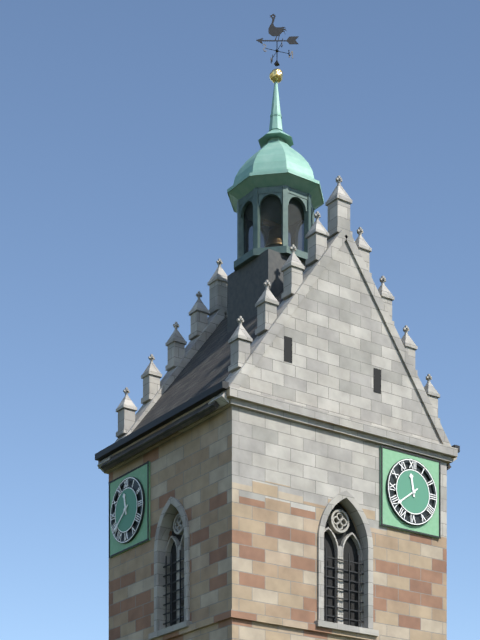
11:39
